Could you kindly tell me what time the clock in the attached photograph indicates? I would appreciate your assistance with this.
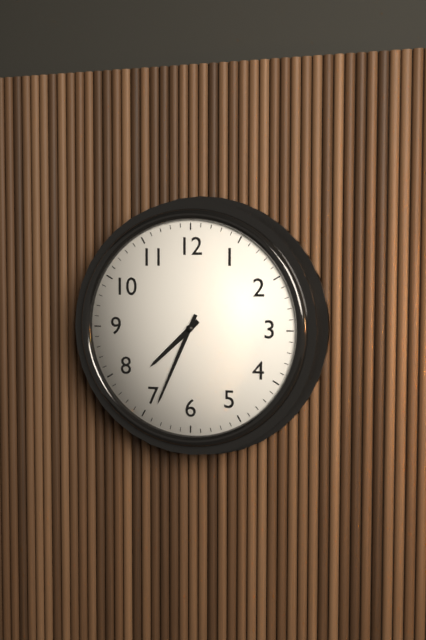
7:34
